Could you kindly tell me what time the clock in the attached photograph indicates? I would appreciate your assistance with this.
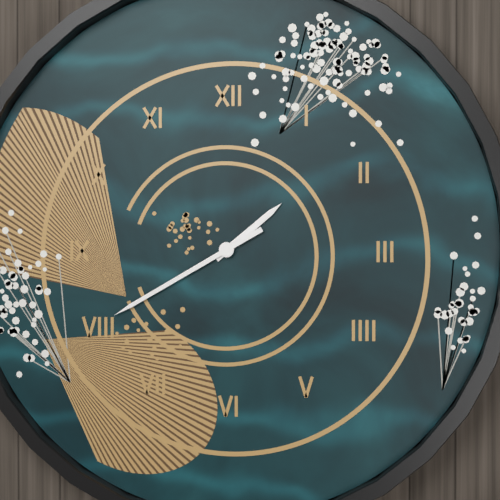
1:40
